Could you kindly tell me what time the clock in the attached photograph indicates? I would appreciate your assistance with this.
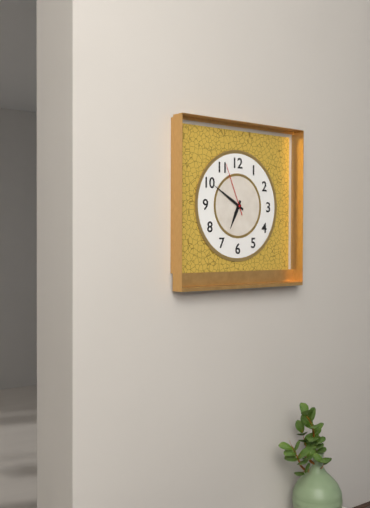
6:50:56
